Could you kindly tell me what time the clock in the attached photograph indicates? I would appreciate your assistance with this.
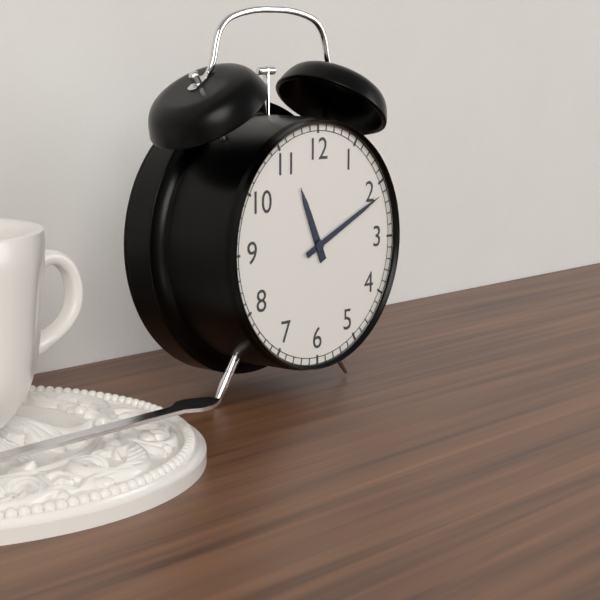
11:11
